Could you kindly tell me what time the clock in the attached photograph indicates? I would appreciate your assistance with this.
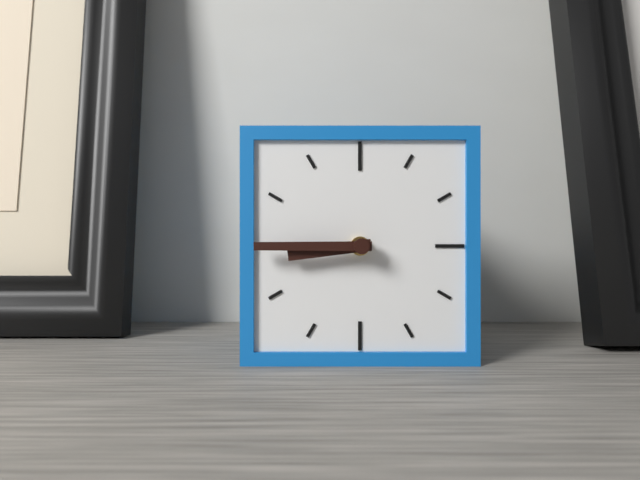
8:45
